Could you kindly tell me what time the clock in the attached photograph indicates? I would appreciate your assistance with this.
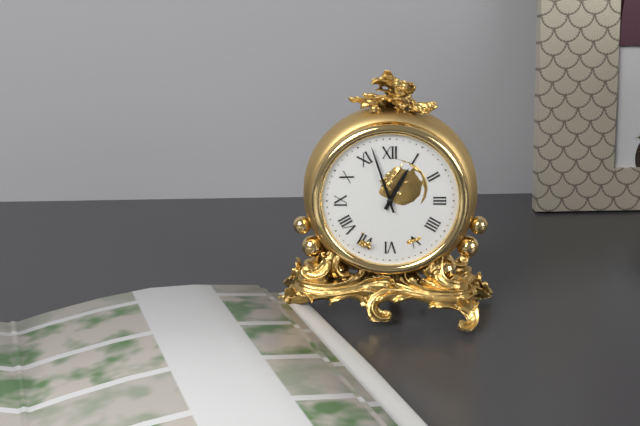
12:57
